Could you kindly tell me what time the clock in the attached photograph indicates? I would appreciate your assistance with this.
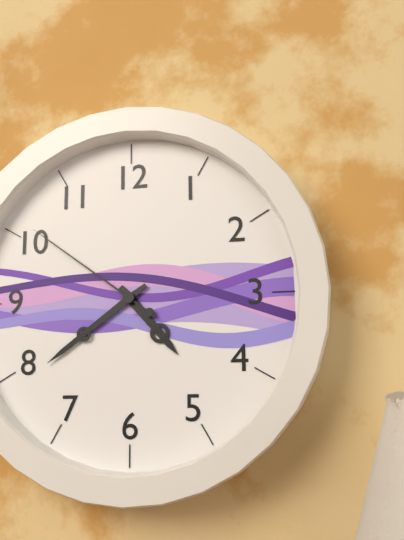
4:39:51
